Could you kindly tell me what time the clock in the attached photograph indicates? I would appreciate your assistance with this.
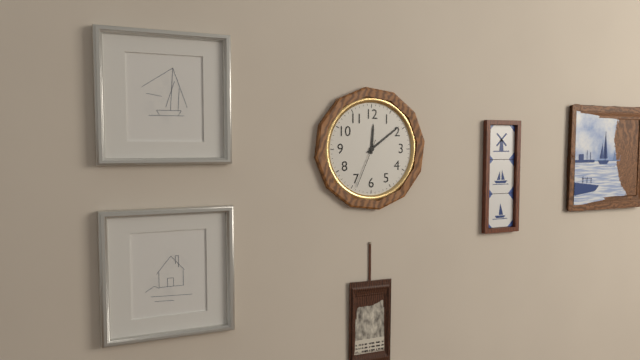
12:09:34
